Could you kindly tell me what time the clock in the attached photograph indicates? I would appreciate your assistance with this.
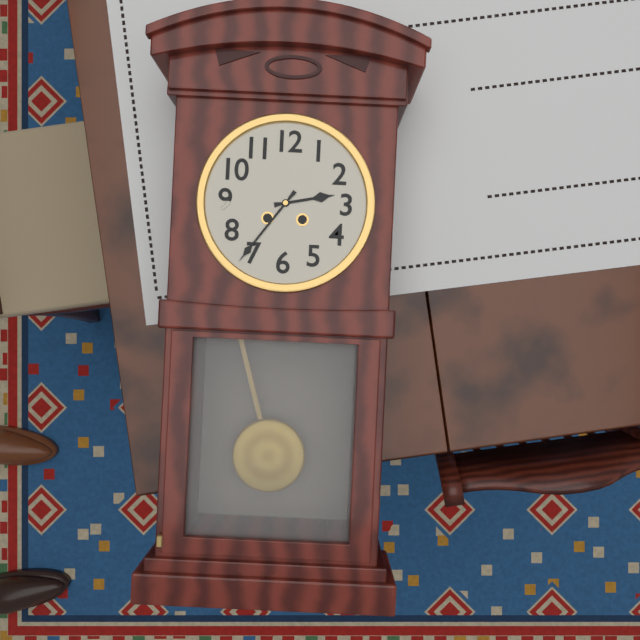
2:36
